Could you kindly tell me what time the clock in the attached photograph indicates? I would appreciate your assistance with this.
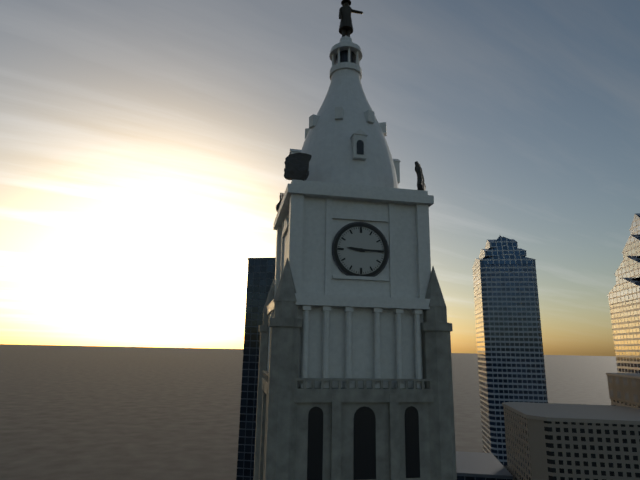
9:15
